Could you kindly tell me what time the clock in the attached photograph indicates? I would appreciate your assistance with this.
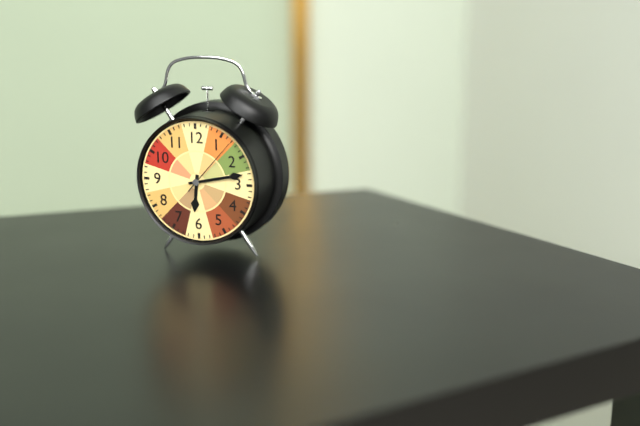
6:13:07
